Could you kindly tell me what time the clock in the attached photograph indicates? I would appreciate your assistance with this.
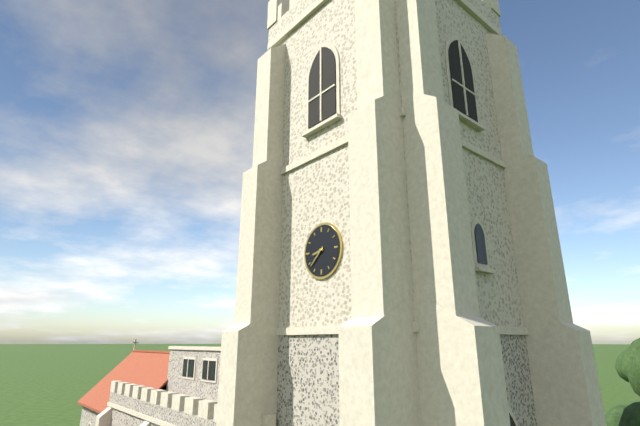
8:38
